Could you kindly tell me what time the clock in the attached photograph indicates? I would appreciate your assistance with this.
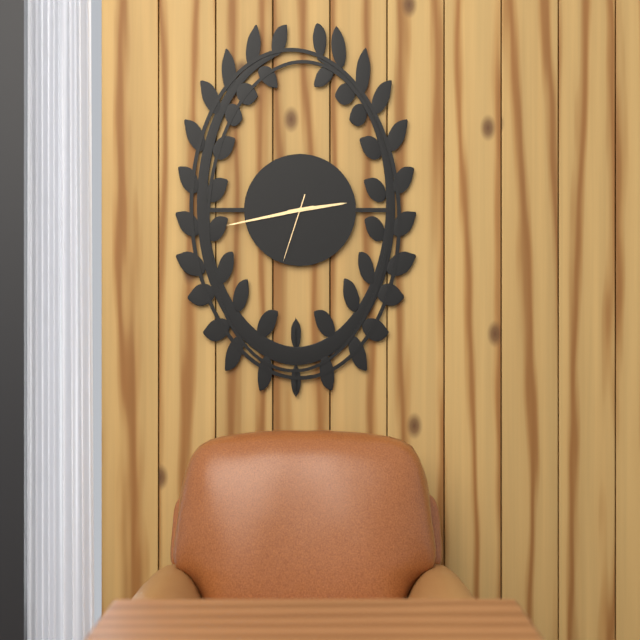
2:43:33
